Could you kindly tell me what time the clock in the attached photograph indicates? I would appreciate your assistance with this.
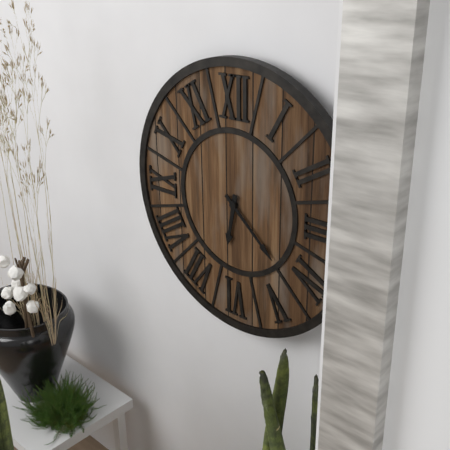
6:22
